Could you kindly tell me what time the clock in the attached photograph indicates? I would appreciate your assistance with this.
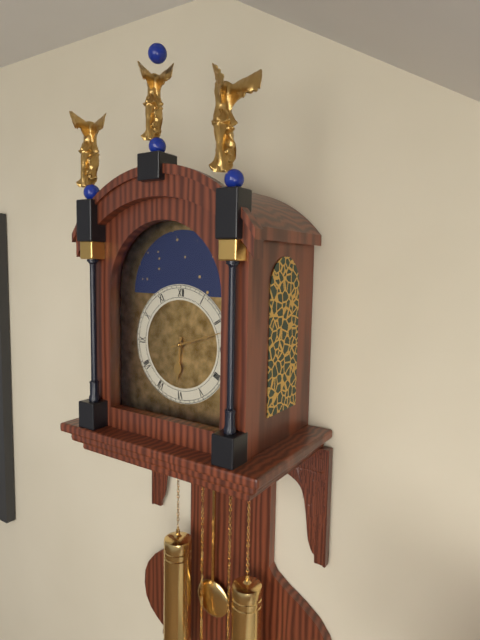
6:12
